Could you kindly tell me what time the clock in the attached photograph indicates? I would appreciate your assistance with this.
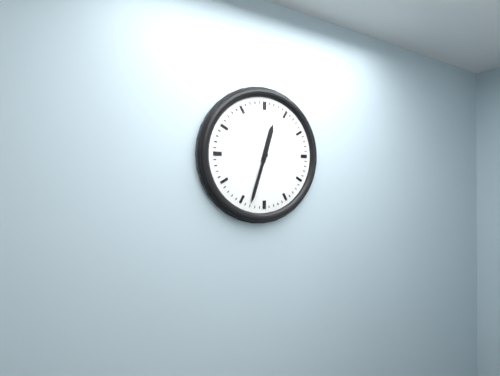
12:33
